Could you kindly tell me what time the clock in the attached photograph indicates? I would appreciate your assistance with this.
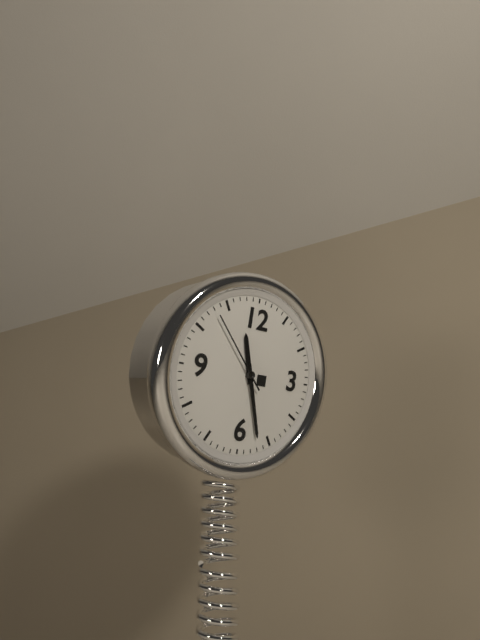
11:27:53
